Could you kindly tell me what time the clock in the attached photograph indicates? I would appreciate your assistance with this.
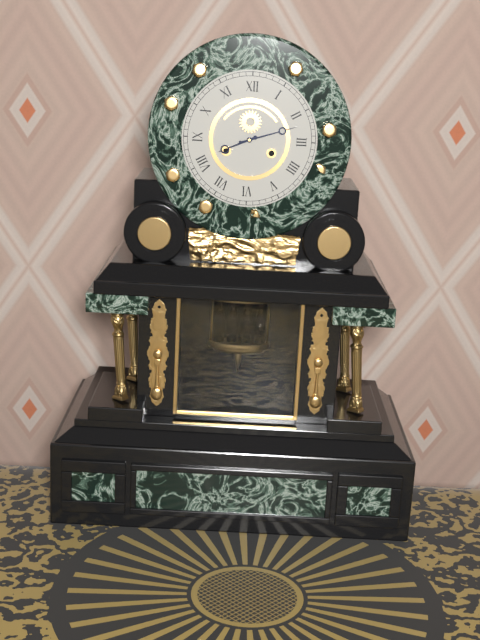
8:12
